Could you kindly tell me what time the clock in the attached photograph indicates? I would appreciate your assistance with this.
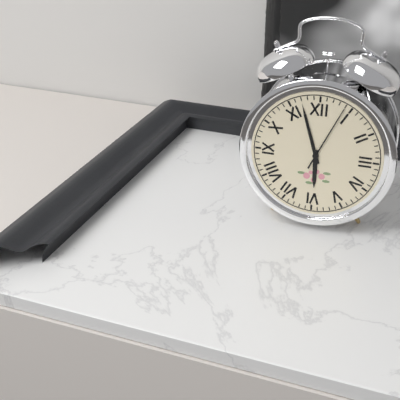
5:57:04
